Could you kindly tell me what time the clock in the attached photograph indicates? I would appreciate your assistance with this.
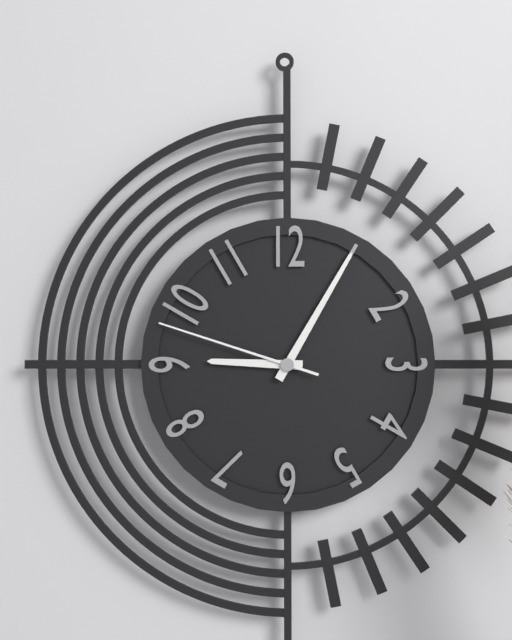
9:05:48
